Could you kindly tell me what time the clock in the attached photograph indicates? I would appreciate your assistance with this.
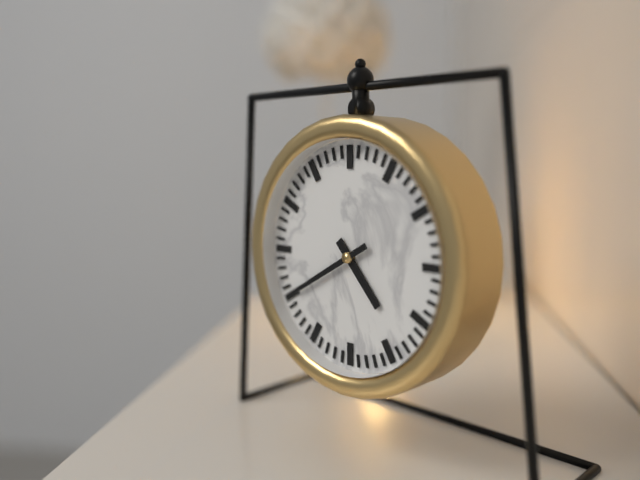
4:40
